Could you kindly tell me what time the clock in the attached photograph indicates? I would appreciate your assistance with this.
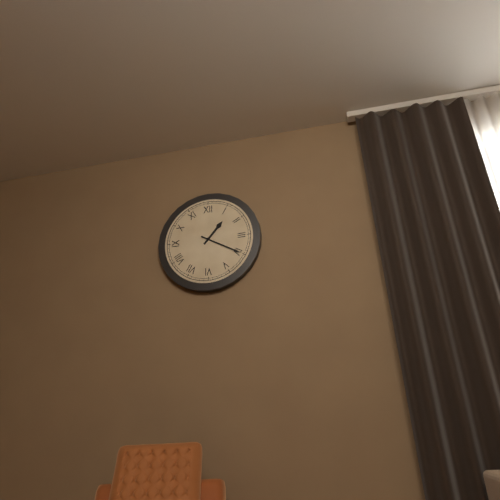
1:20
